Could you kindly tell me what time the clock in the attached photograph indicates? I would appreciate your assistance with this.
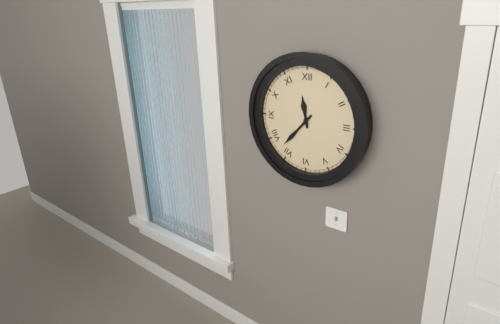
11:37
